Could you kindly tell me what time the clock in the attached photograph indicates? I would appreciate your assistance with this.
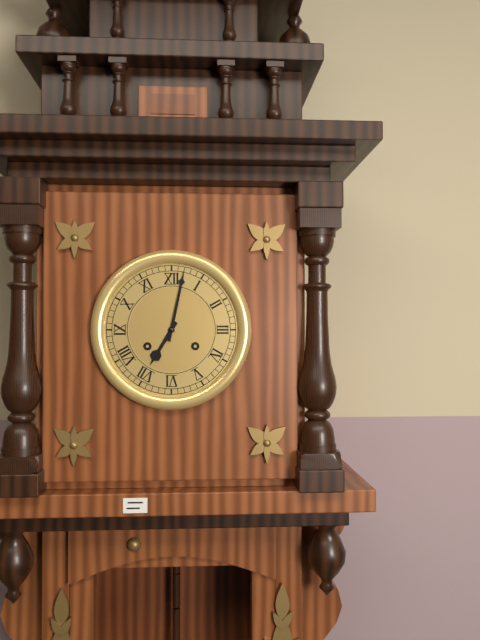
7:02
